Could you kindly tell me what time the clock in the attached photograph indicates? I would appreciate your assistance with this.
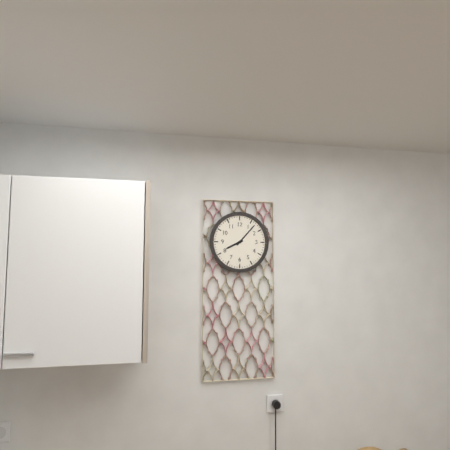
8:07
